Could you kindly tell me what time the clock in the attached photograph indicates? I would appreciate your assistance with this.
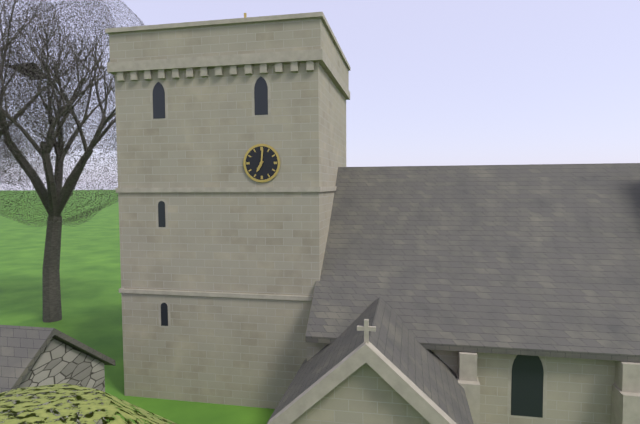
7:01
